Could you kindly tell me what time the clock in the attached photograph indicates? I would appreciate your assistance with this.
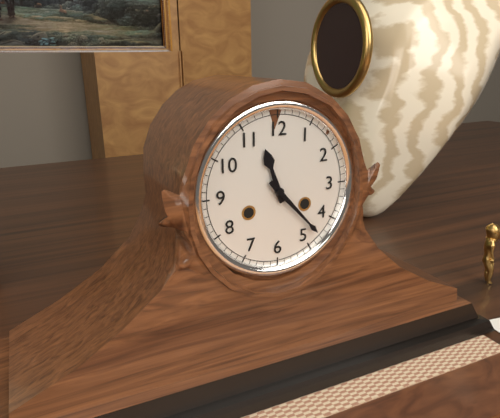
11:23
